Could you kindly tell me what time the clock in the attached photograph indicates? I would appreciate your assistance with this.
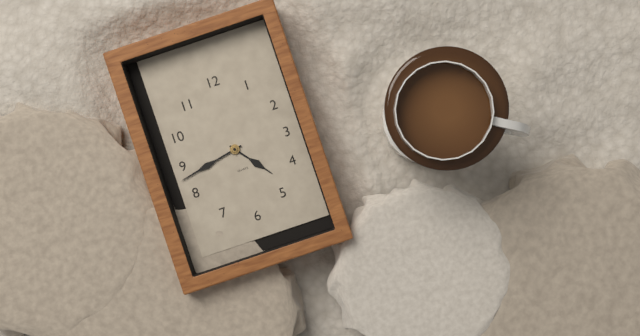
4:43
